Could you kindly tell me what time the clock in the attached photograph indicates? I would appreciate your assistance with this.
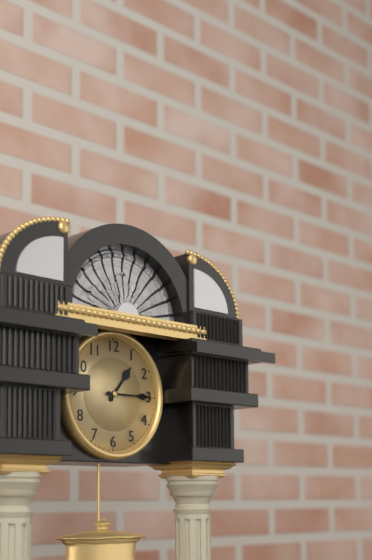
1:15
